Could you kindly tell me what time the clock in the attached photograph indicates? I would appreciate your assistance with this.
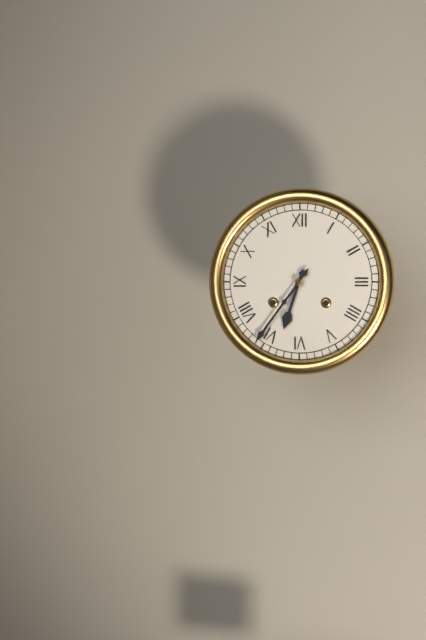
6:36
